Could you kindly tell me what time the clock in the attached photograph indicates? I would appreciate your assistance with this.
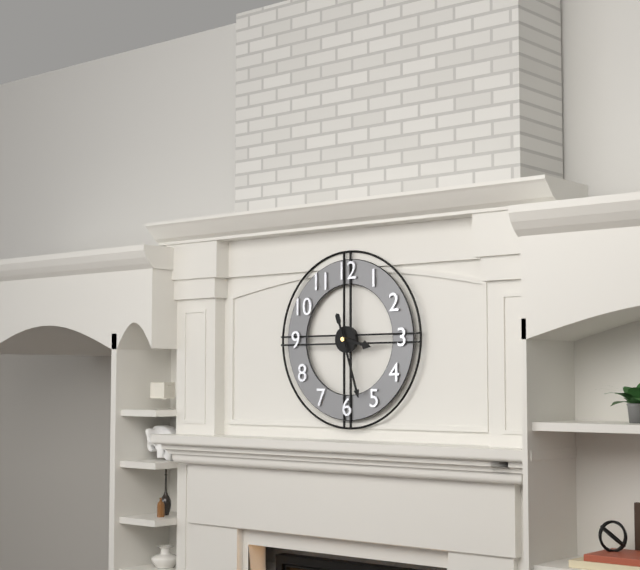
3:27
